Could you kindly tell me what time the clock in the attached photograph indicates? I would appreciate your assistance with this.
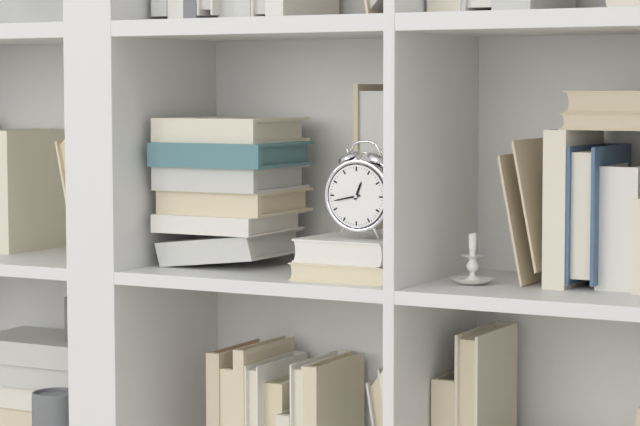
12:43
